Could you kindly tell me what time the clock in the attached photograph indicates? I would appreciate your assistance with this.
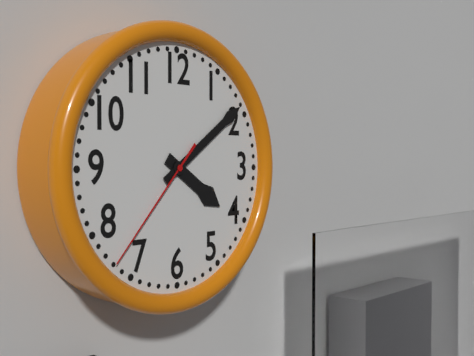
4:09:37
